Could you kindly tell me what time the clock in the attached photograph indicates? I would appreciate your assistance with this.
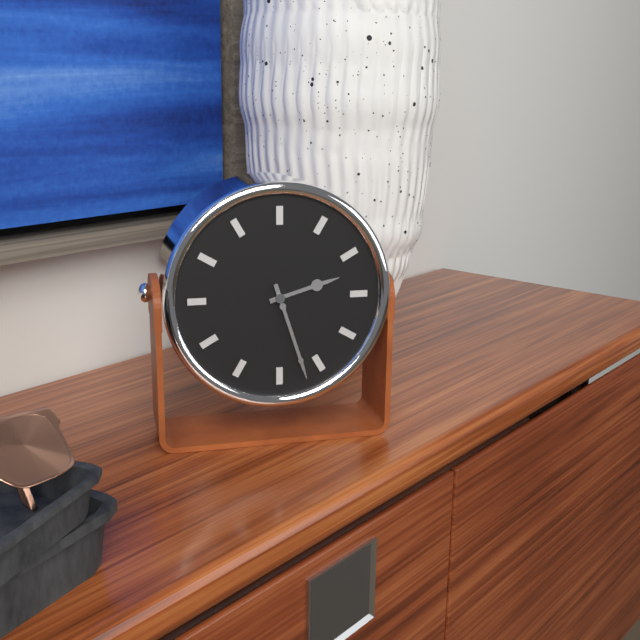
2:27
